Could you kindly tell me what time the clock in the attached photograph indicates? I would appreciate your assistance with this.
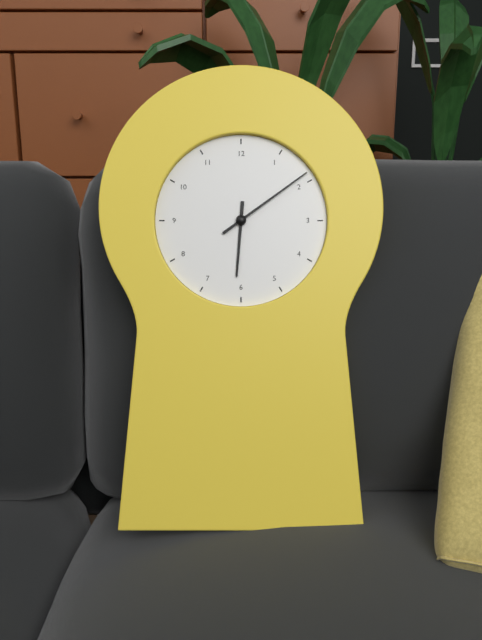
6:09
